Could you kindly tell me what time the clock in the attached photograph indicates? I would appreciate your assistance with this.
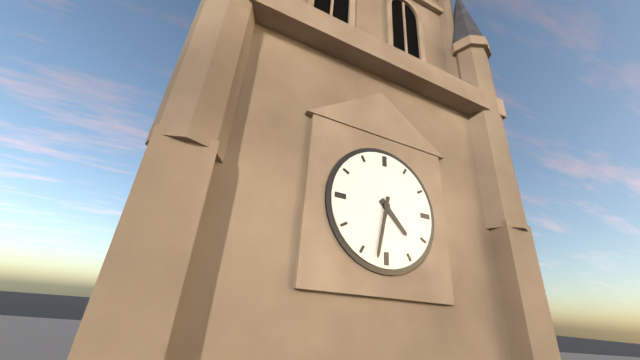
4:32
